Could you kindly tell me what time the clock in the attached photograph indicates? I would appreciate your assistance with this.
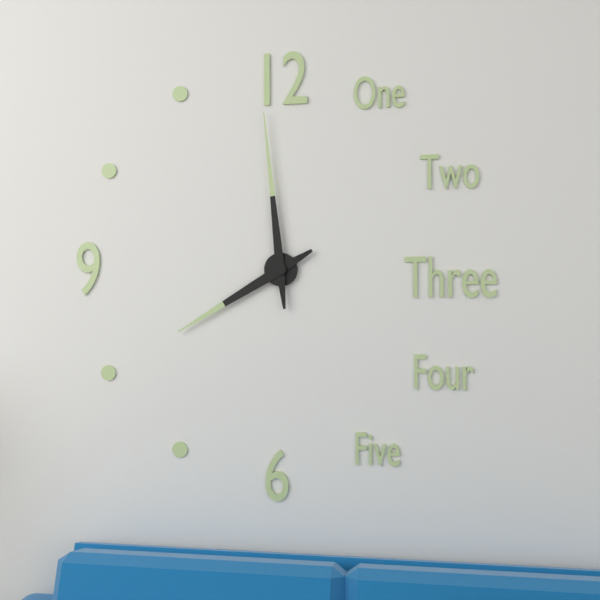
7:59
